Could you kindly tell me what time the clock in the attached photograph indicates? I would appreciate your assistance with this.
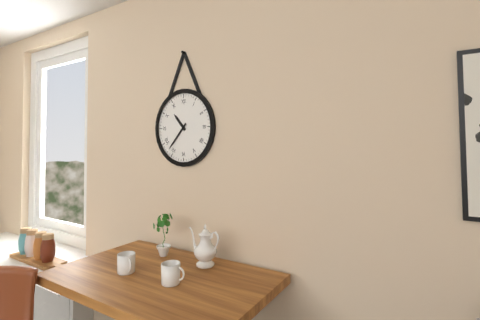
10:37
